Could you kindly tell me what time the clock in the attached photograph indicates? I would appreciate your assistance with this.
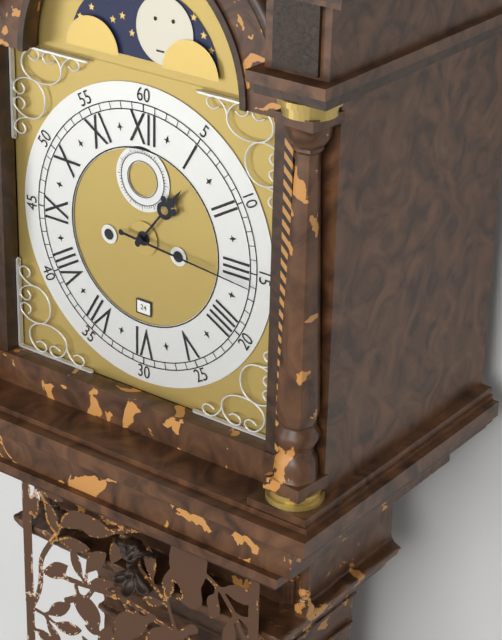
1:16
